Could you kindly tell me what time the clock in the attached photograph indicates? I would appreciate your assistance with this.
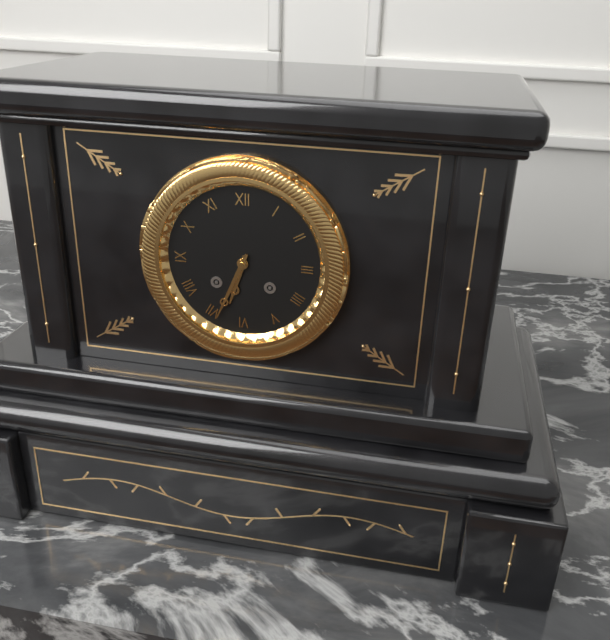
6:34
